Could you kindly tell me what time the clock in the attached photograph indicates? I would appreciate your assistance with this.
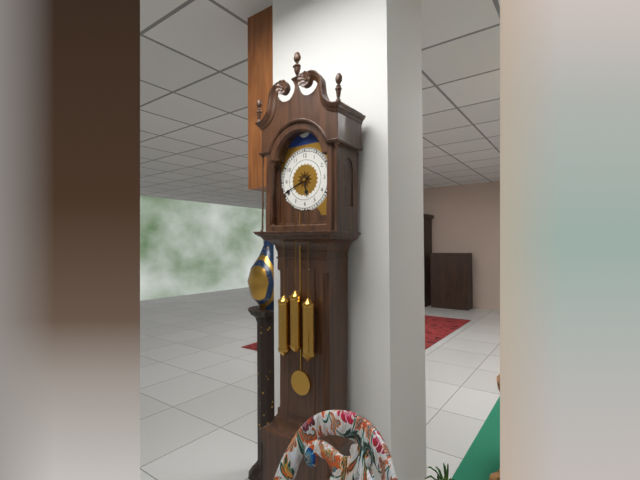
5:41
